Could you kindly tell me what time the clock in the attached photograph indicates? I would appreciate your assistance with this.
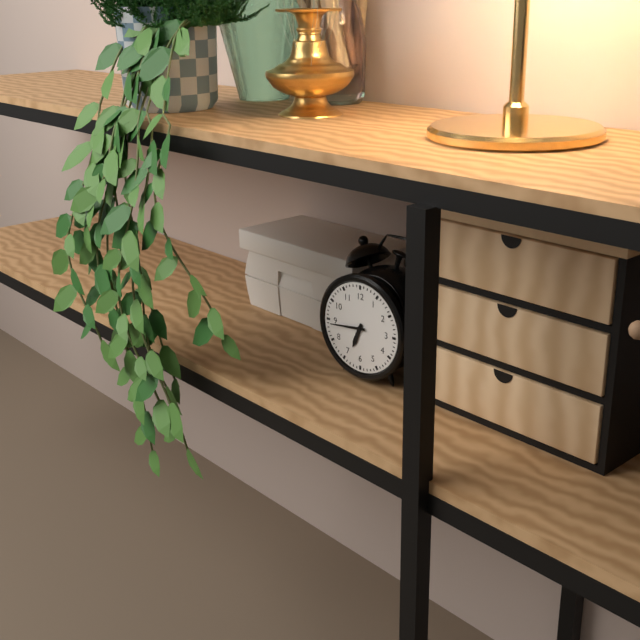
6:44
